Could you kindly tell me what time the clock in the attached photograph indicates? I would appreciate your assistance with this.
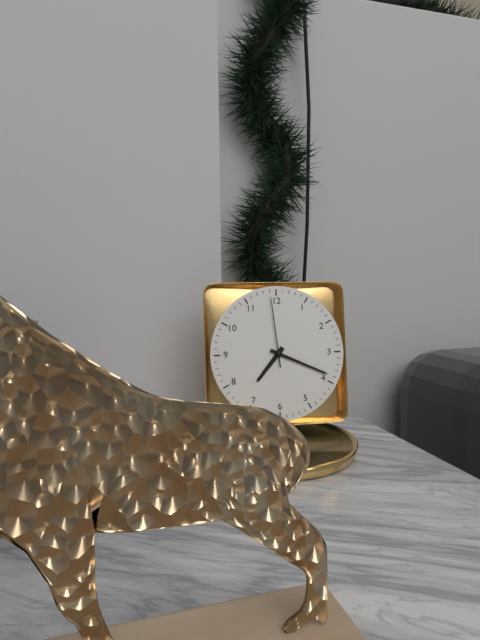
7:19:59
